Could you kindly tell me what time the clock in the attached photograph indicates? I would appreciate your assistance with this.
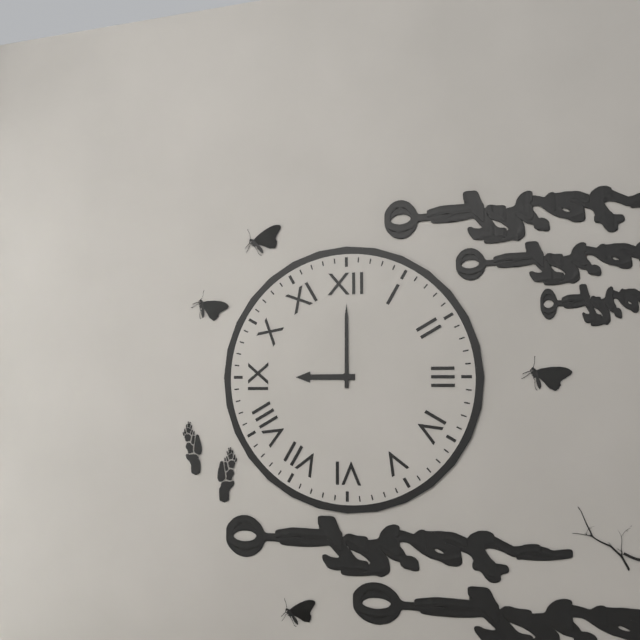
9:00
